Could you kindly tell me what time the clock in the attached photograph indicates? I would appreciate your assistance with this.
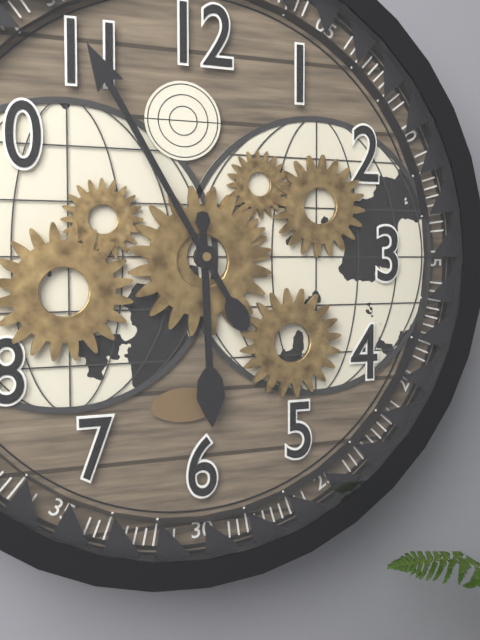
5:55
